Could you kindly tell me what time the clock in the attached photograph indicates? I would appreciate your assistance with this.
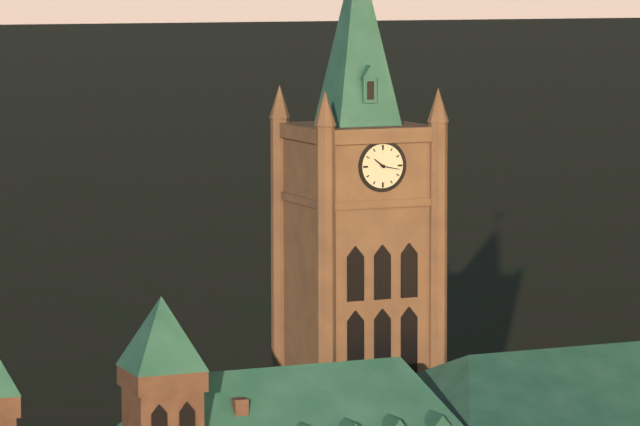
10:17
